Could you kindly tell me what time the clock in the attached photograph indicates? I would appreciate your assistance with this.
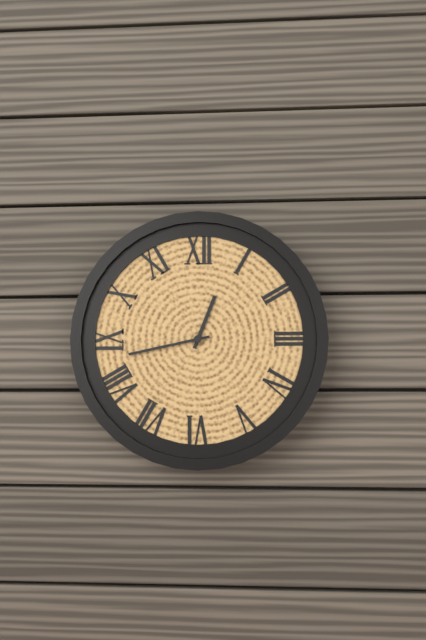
12:43
